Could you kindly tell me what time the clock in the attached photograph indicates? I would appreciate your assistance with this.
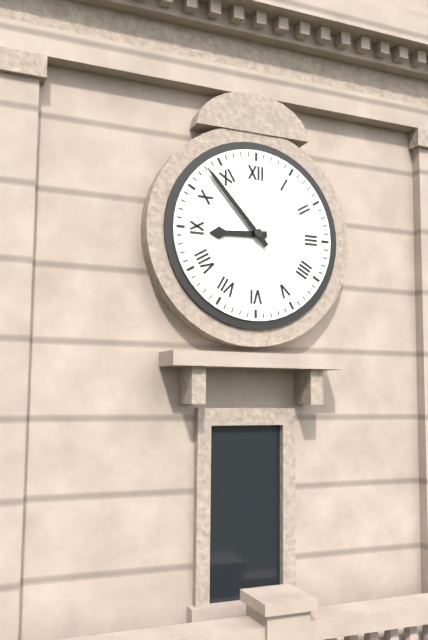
8:53
